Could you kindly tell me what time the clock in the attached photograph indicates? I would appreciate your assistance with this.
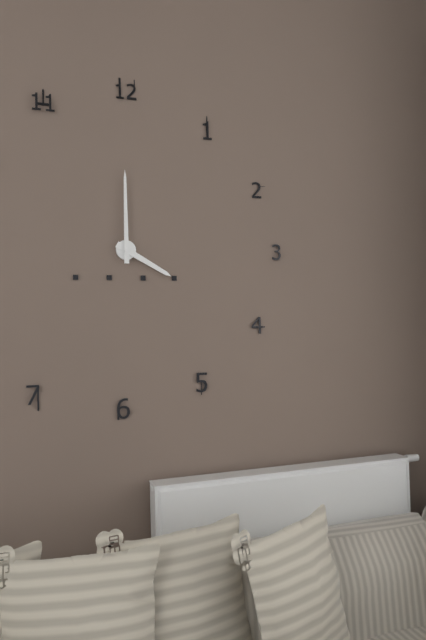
4:00
